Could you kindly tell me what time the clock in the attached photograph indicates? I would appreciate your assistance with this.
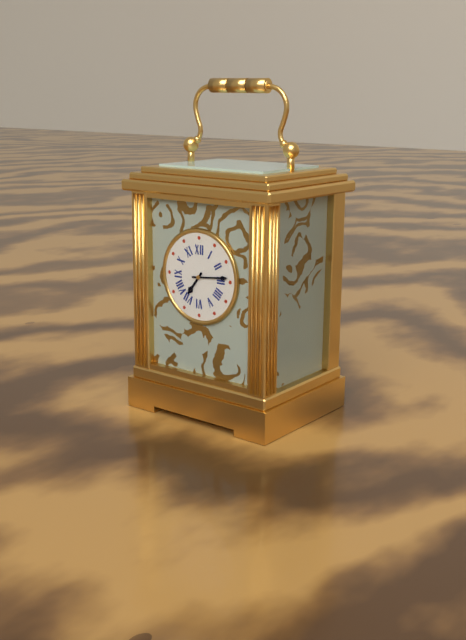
7:14
